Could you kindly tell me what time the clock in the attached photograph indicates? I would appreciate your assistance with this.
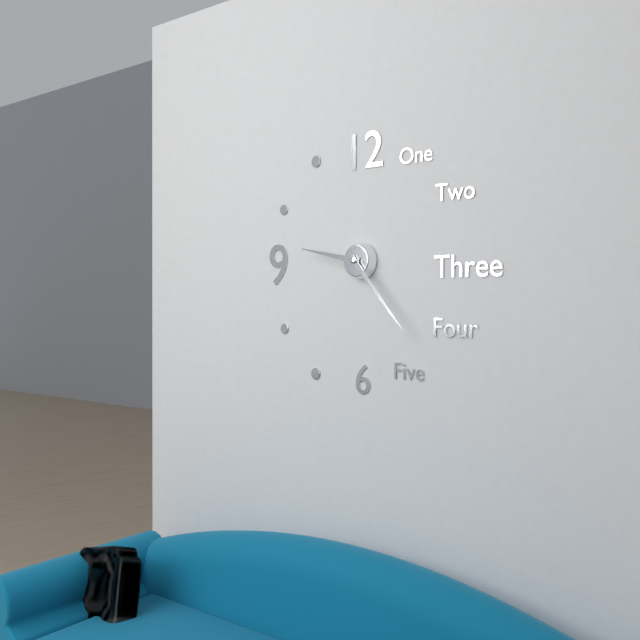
9:23
